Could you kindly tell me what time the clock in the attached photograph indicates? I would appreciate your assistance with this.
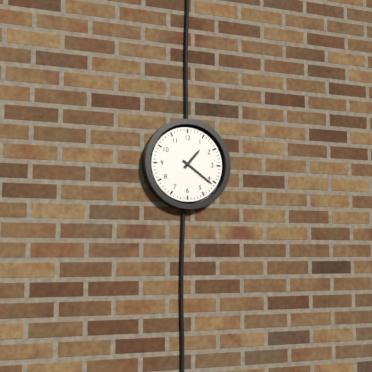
1:21
